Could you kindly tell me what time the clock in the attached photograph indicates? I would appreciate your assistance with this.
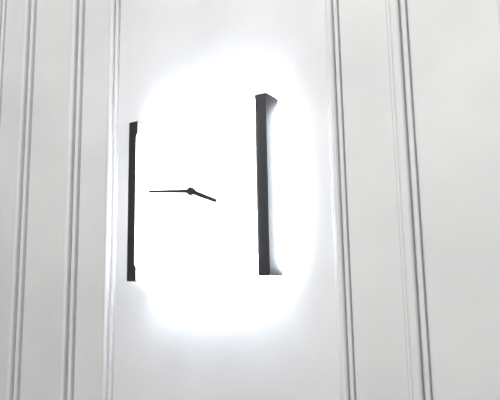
3:46
